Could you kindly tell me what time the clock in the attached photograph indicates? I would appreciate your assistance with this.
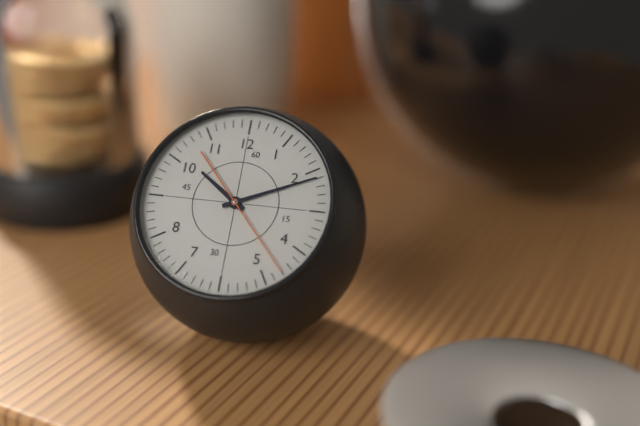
10:11:23
